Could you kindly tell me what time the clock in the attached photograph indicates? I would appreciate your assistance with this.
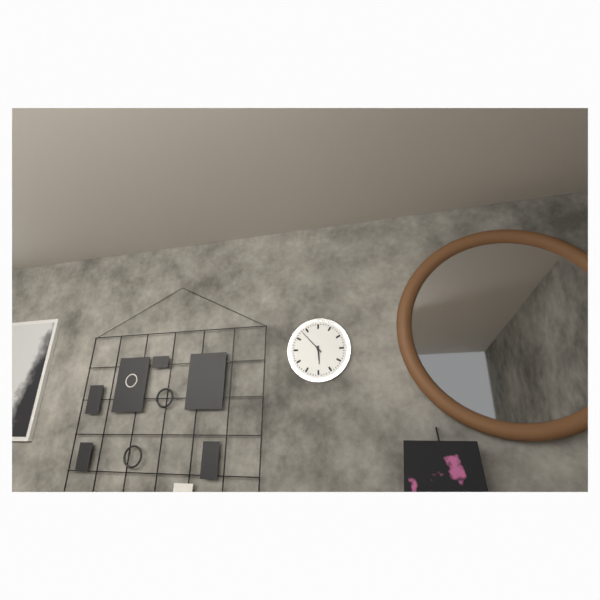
5:53
